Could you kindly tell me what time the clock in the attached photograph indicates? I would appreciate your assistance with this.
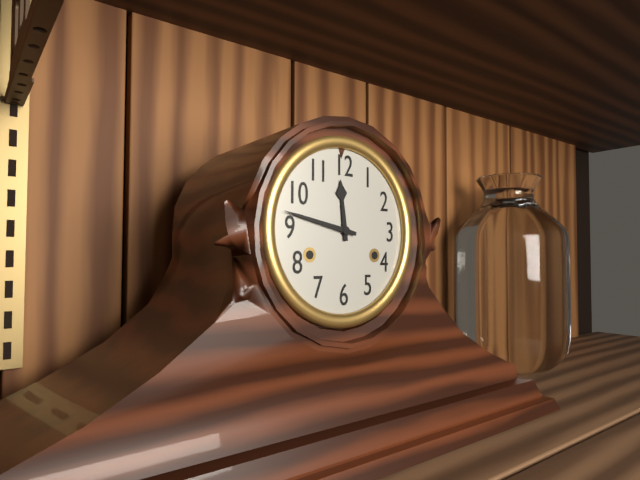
11:47
